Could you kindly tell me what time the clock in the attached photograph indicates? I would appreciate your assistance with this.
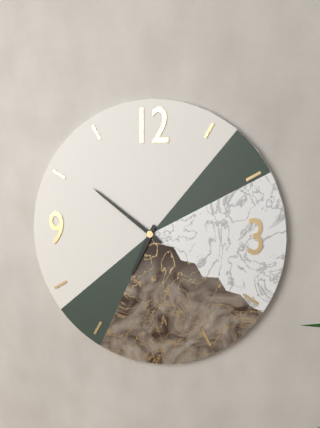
6:51
